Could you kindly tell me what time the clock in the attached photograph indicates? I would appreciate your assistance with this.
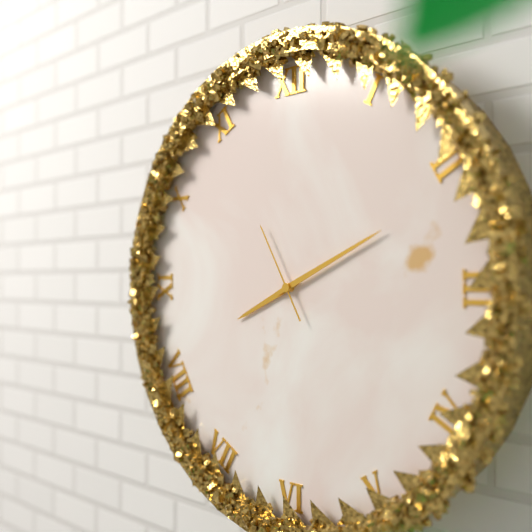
8:11:55
